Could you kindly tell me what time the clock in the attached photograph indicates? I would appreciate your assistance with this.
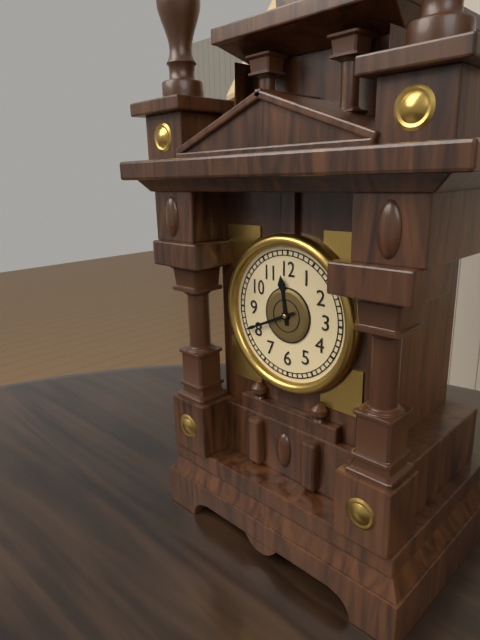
11:41
